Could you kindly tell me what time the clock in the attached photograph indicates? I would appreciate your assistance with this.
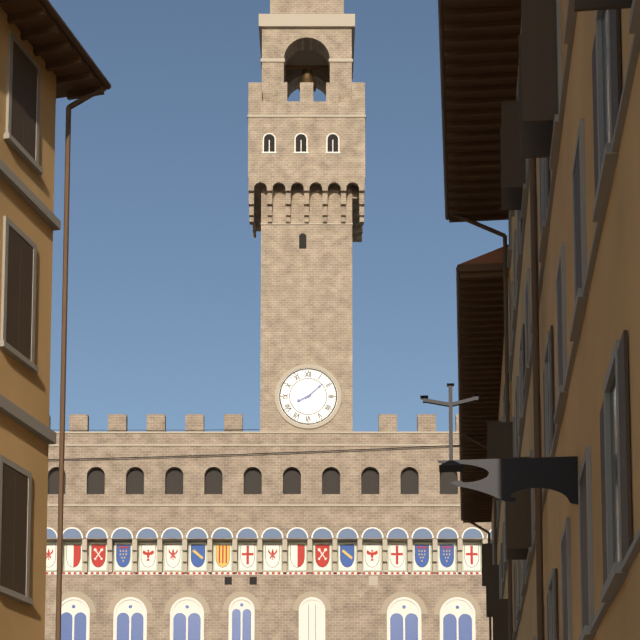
8:08
